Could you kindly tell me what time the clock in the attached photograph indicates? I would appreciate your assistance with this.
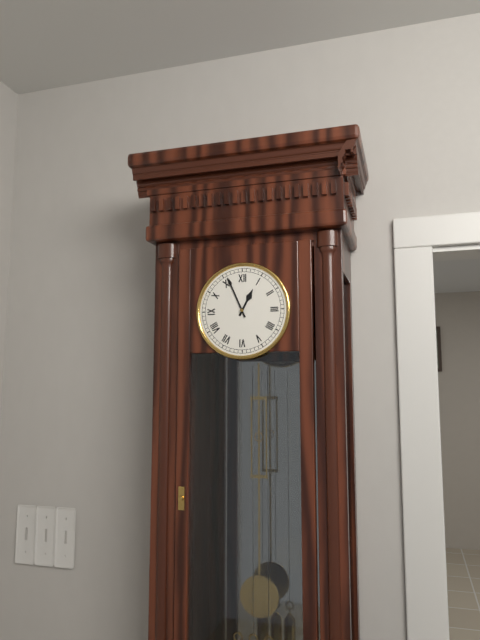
12:56
